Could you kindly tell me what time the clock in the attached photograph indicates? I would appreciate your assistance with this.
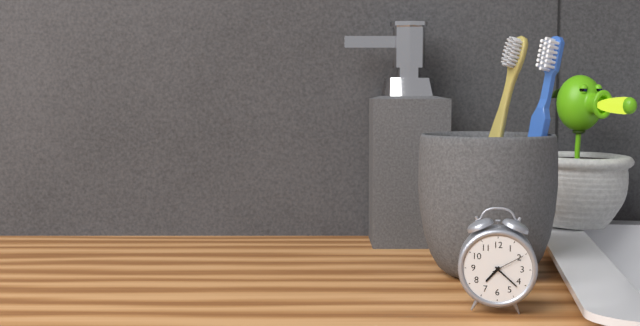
7:22
